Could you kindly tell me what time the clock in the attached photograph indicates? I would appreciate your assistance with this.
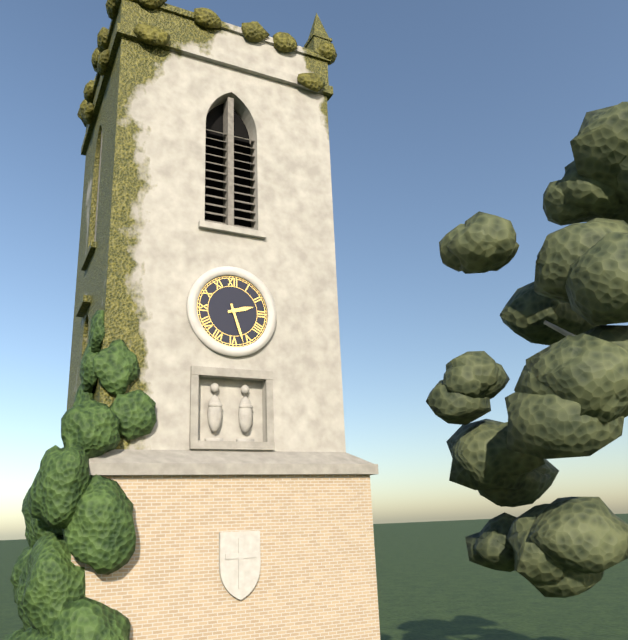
2:27
